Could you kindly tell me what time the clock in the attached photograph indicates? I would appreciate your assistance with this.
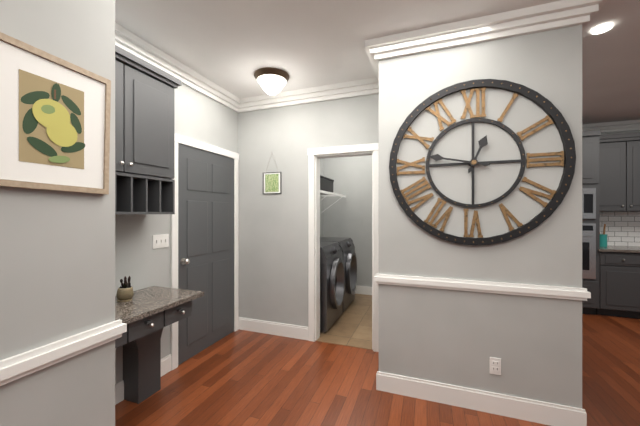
12:47
